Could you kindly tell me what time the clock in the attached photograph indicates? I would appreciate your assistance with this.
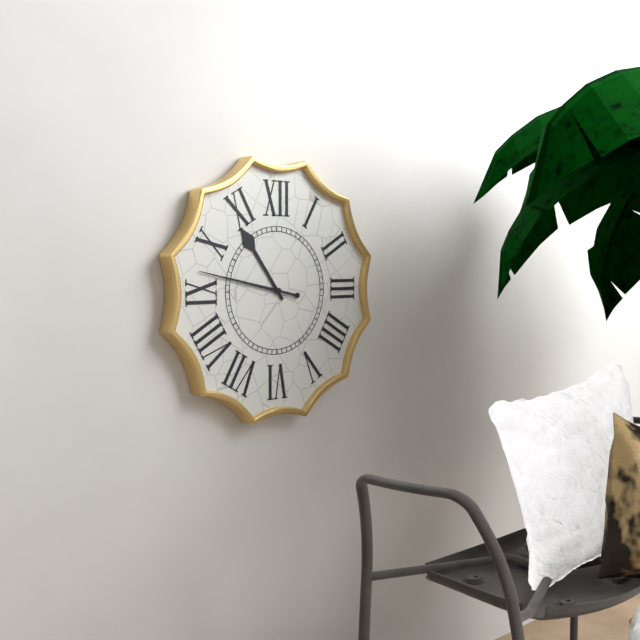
10:47
